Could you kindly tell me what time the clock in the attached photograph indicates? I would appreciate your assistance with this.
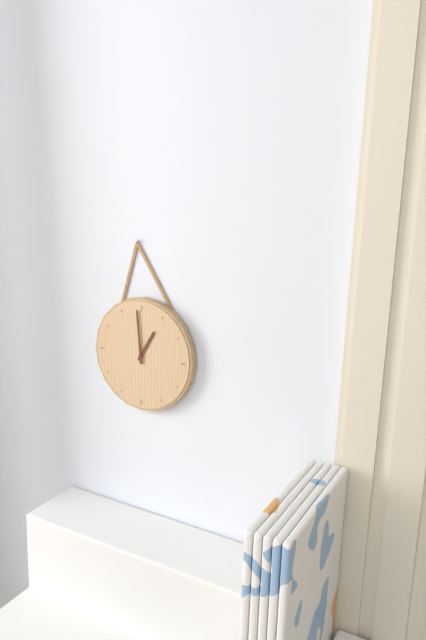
12:59
